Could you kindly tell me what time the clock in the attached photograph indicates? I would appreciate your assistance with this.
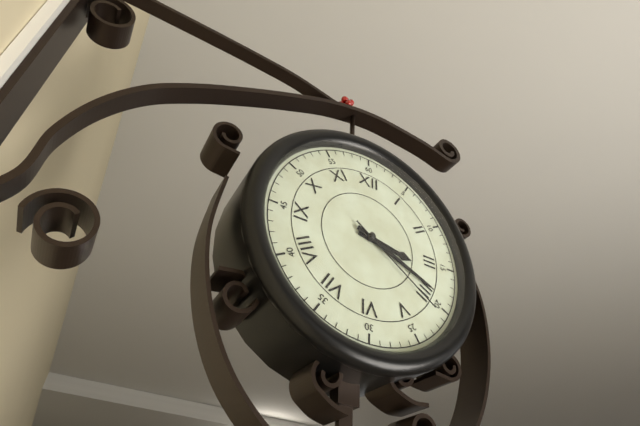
3:19:21
